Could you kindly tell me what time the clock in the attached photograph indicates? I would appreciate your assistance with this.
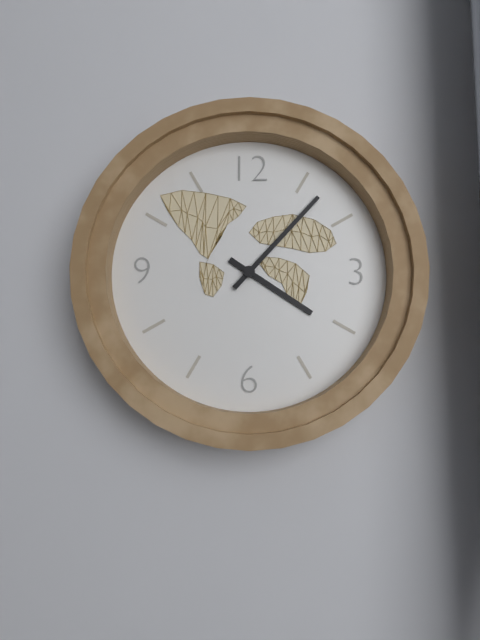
4:07
